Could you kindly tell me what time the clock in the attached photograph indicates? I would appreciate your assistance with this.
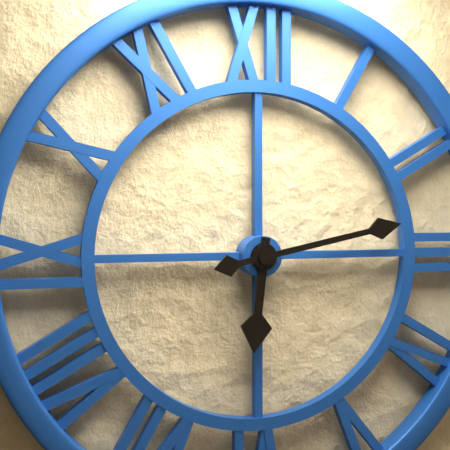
6:13
